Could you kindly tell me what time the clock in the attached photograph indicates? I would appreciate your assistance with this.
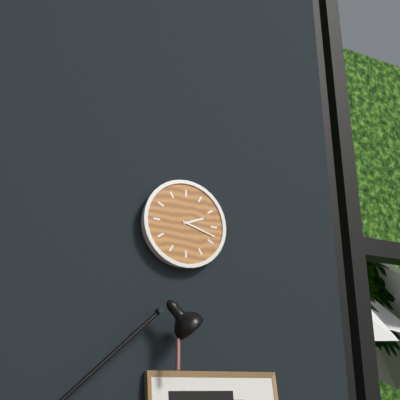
2:18
